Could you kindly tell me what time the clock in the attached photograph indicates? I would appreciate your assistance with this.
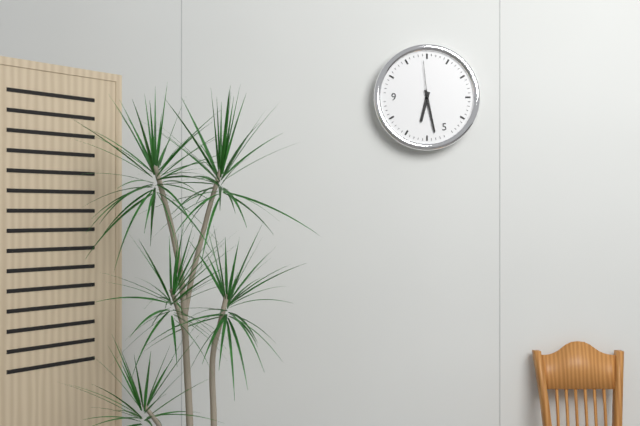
6:28
